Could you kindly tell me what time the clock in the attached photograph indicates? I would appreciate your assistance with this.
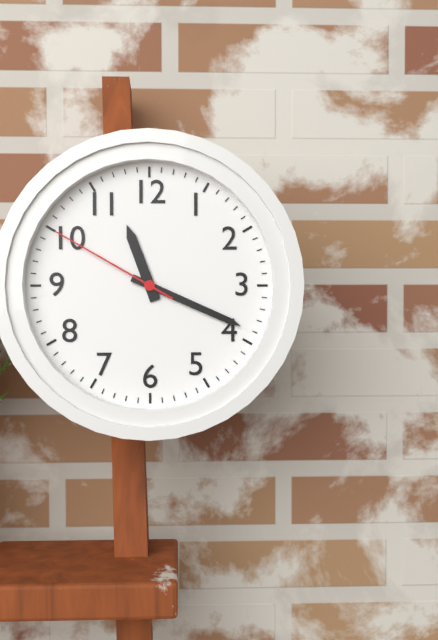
11:19:50
